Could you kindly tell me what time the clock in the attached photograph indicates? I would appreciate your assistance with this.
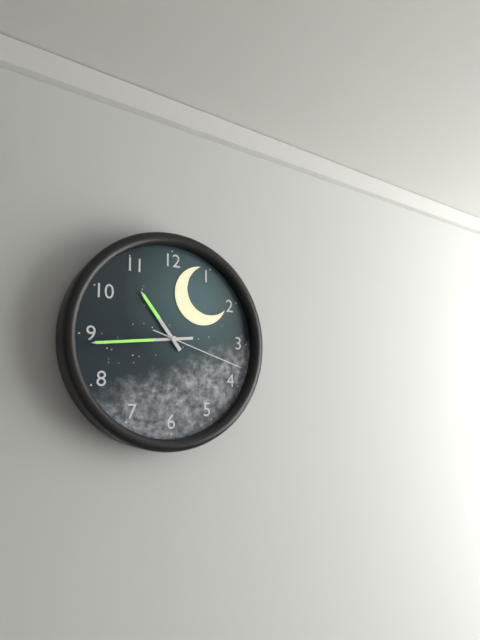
10:44:18
